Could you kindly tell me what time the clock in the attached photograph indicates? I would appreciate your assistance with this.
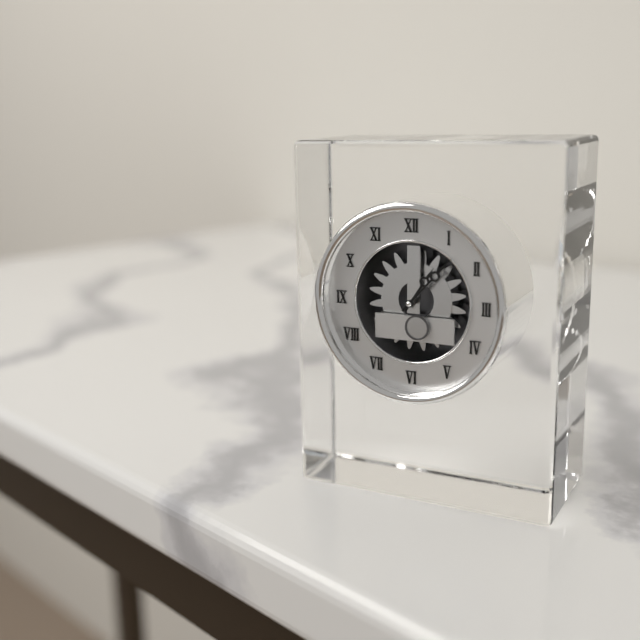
1:07
